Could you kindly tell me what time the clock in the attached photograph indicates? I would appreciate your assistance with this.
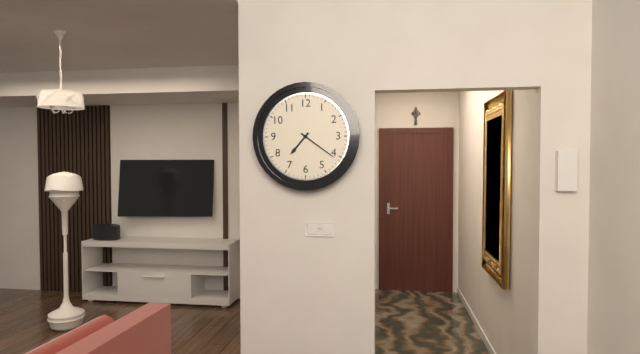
7:21
